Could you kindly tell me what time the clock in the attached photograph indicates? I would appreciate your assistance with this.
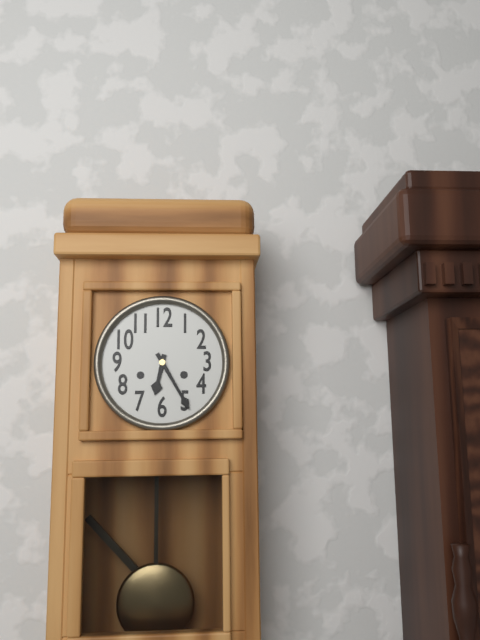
6:25
